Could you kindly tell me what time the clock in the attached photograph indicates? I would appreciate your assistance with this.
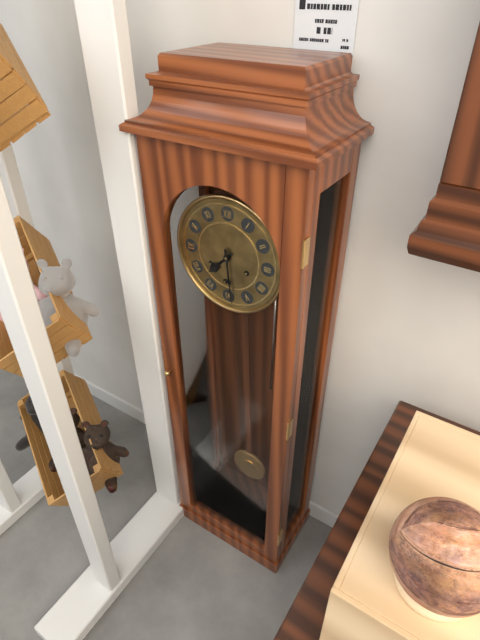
7:29
